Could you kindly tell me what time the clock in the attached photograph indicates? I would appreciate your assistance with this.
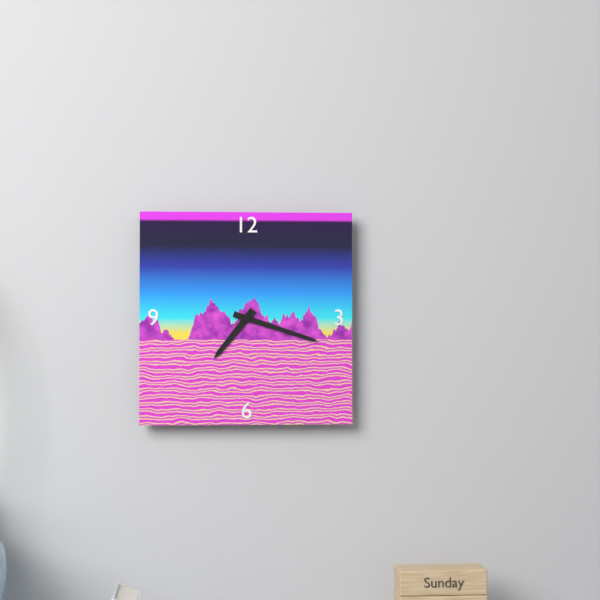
7:18
